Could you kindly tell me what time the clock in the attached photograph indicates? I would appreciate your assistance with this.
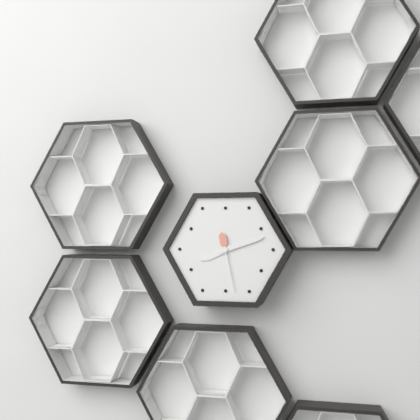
8:12:28
